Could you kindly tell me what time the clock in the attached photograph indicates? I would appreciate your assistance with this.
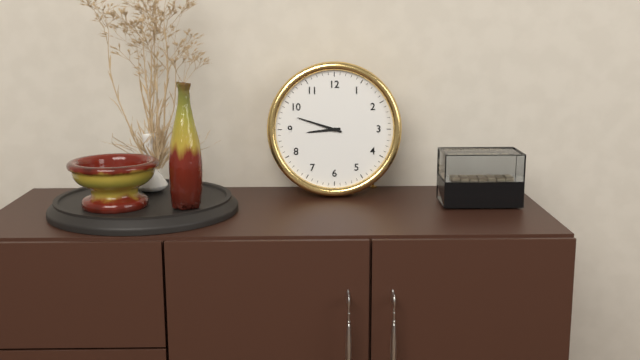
8:48
